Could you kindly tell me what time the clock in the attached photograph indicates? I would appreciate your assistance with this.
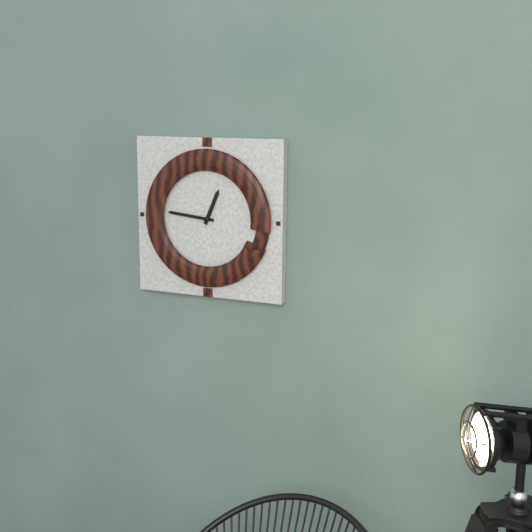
12:46
